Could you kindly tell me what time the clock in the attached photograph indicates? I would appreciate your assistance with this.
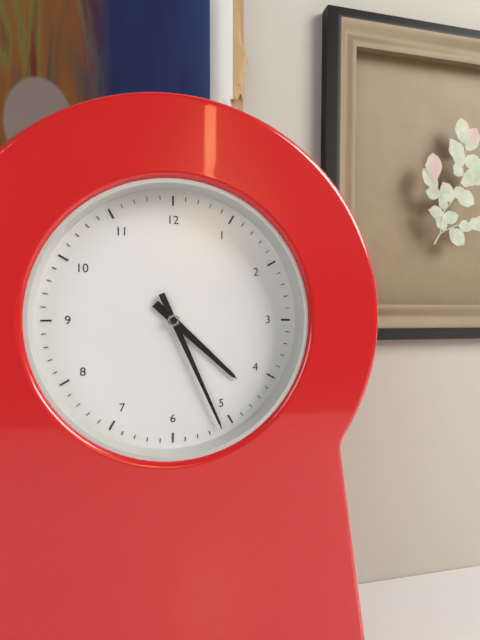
4:26
